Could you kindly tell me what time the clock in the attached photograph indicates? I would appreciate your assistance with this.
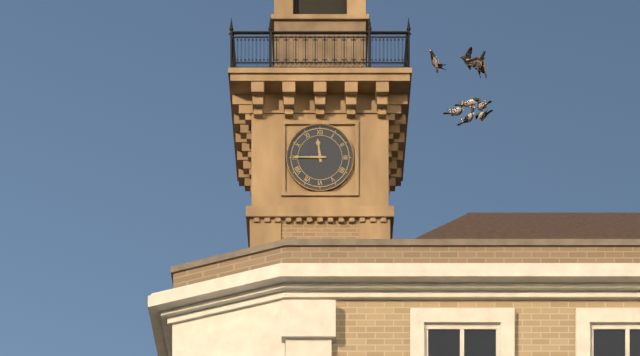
11:45
